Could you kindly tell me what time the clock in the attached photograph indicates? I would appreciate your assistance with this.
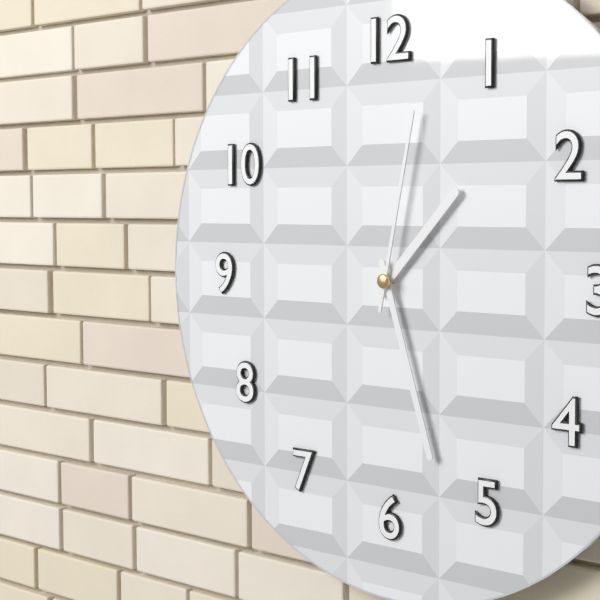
1:27:02
